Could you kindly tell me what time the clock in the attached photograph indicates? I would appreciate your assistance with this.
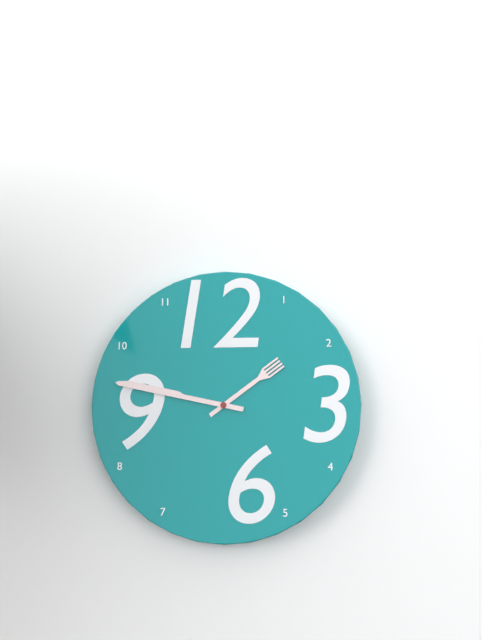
1:47
